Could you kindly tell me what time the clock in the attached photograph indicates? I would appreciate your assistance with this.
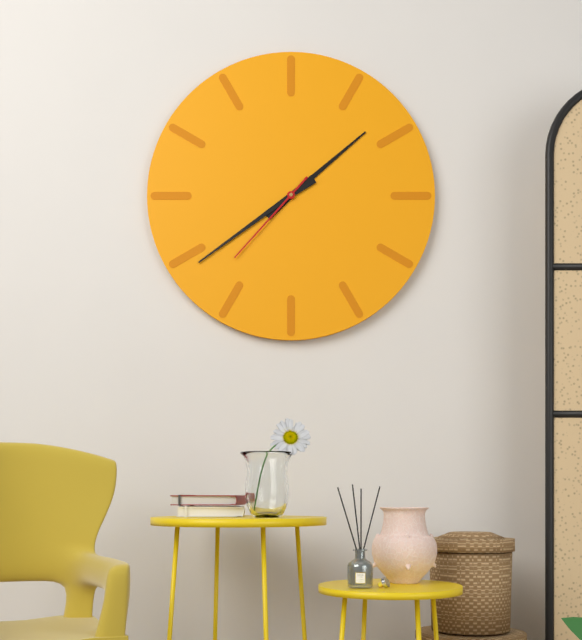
1:39:37
